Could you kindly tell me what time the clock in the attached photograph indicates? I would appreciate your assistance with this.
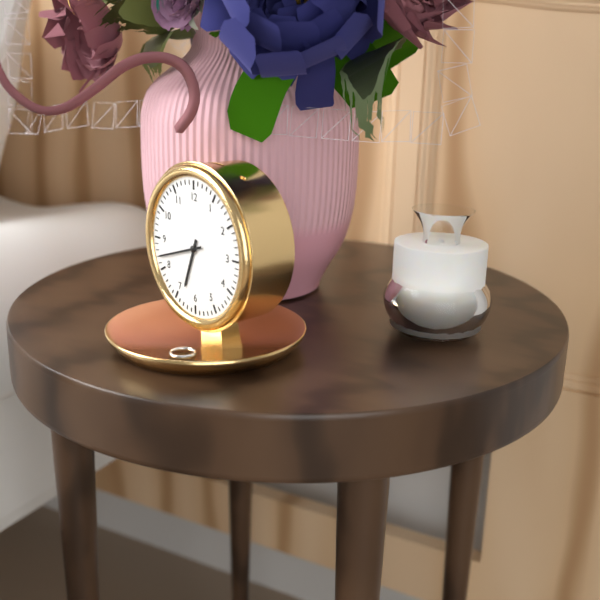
6:42
